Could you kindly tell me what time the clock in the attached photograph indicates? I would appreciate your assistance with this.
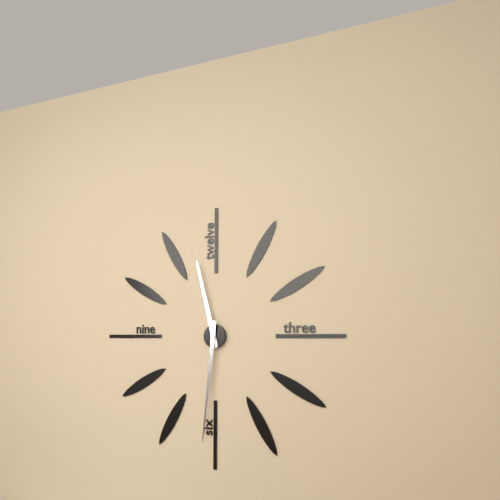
11:31
